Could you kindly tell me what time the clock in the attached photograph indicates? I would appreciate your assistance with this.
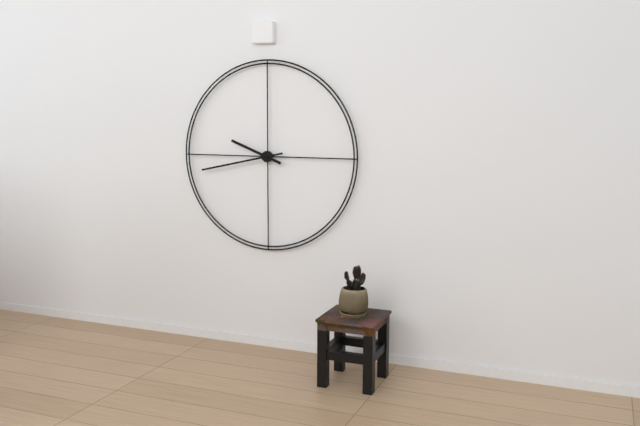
9:43
